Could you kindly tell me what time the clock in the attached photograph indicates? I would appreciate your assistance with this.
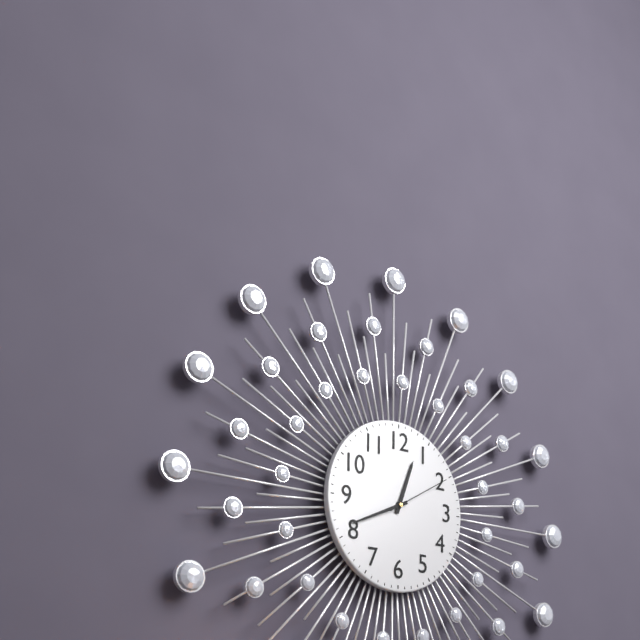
12:41:10
